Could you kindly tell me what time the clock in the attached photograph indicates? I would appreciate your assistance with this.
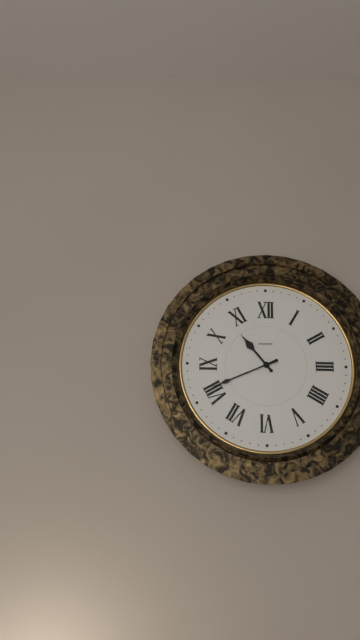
10:41
